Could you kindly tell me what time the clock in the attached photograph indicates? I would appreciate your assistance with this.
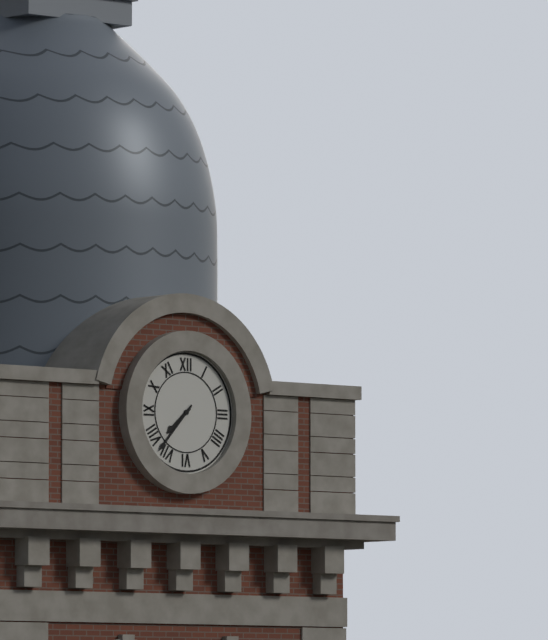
7:37
